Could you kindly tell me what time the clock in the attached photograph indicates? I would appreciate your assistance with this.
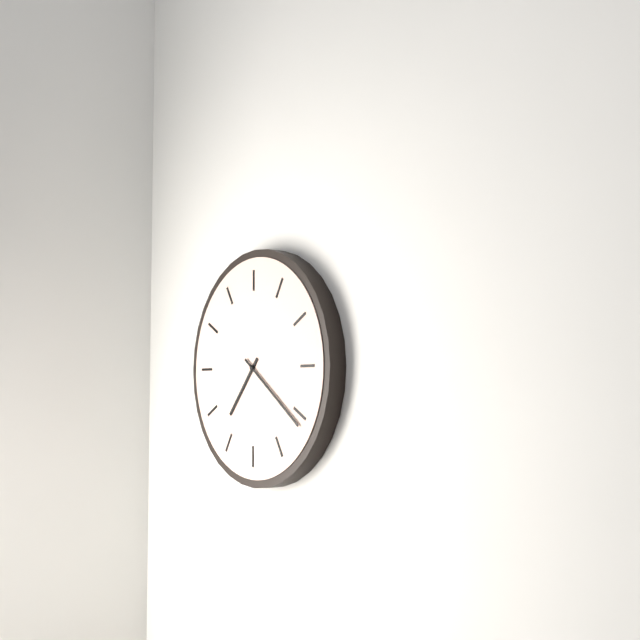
7:21
